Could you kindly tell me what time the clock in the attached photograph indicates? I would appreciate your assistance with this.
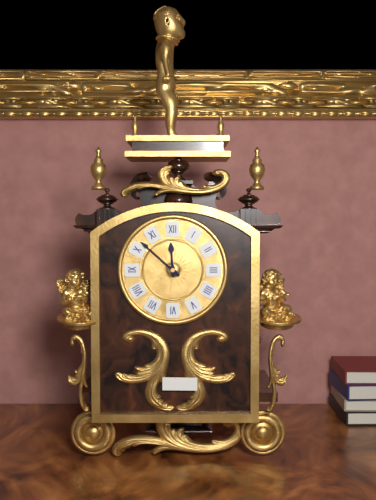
11:52
